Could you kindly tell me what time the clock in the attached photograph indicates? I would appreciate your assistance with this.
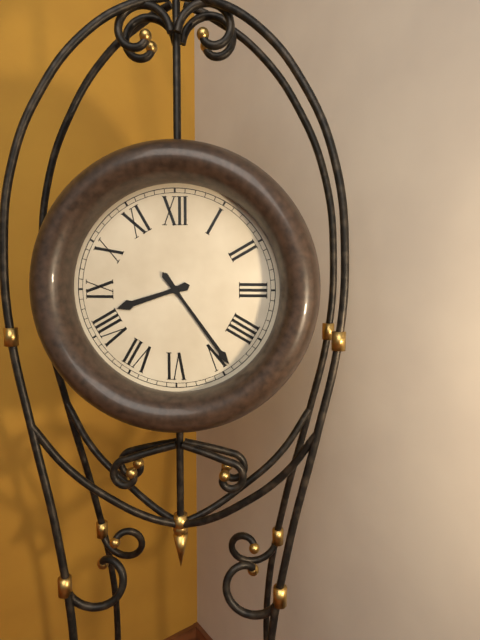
8:24
